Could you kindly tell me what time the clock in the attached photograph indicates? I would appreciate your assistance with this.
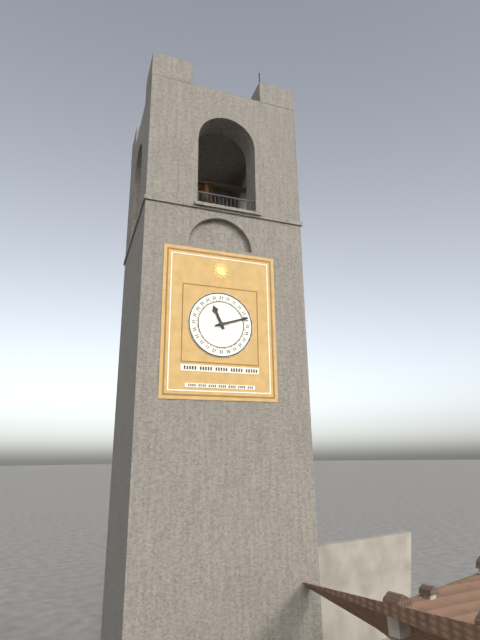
11:12
